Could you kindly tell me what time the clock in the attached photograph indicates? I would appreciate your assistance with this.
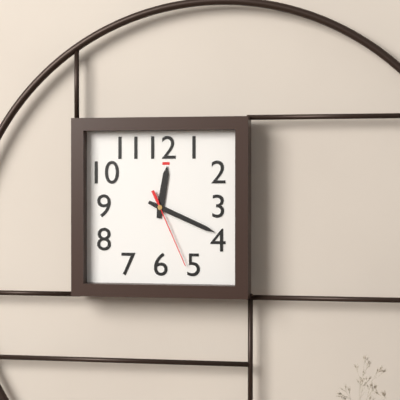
12:19:26
